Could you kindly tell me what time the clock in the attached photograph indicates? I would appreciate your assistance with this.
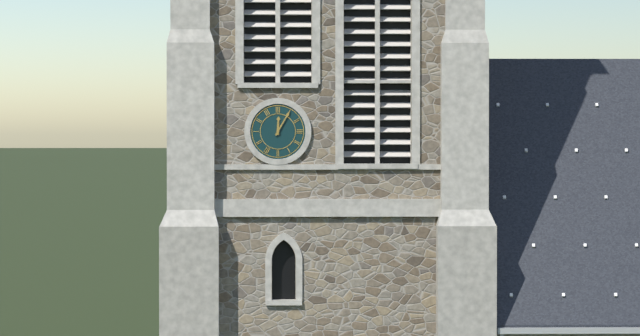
12:05
